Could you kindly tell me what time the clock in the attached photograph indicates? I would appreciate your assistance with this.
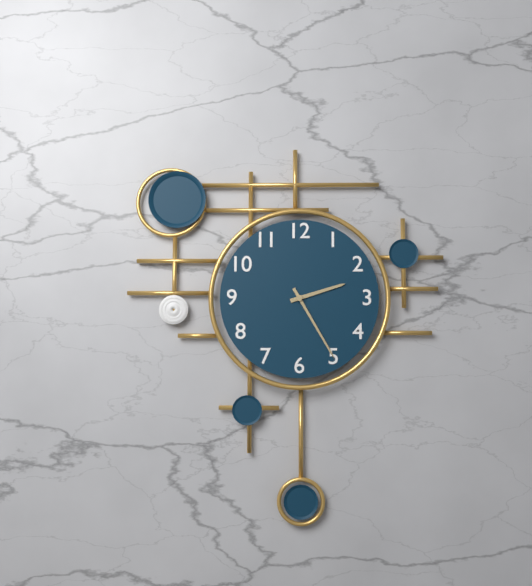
2:25
